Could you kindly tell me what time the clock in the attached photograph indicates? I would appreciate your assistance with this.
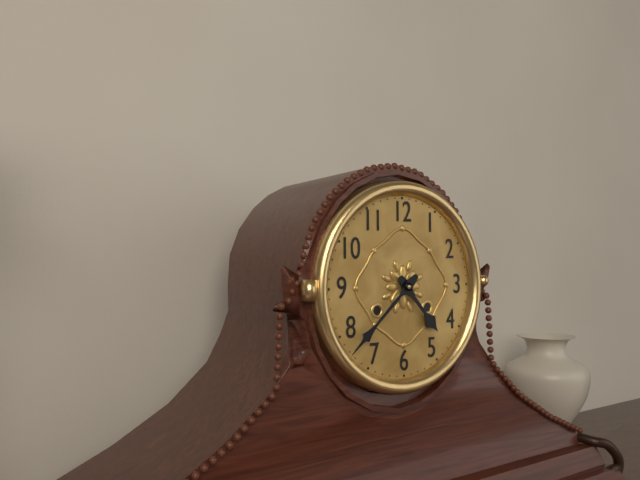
4:38
